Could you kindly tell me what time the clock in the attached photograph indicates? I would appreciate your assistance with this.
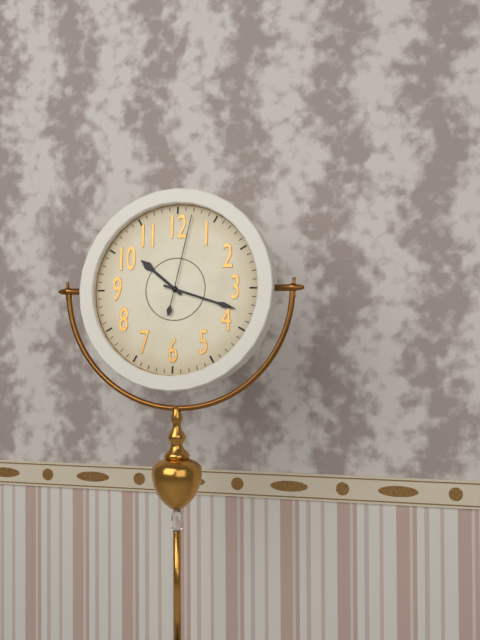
10:18:02
